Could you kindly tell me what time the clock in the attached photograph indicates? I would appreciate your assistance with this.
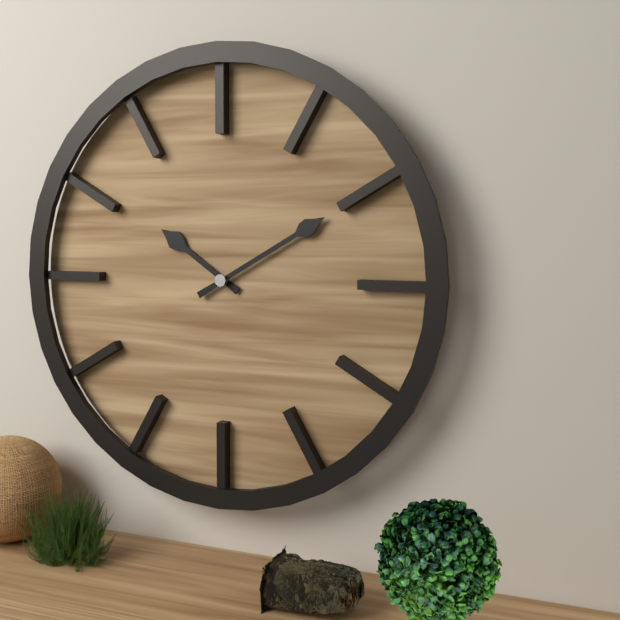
10:10
